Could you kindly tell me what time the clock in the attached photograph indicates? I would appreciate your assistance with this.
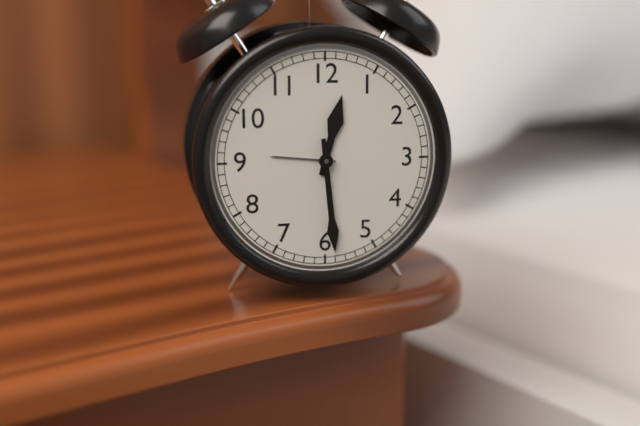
12:29
